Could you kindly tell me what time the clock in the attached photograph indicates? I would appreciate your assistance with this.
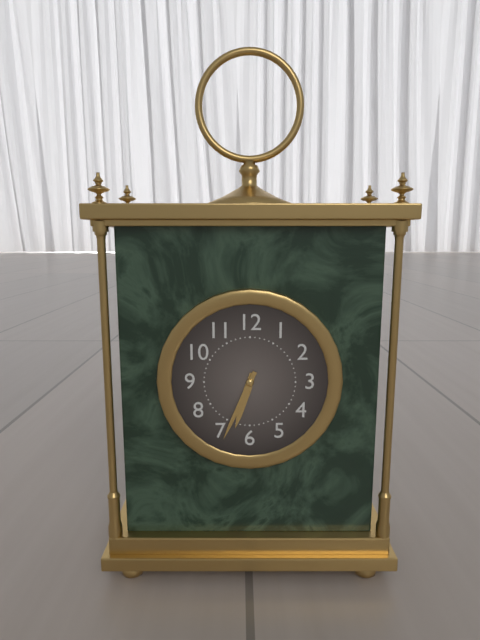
6:34
